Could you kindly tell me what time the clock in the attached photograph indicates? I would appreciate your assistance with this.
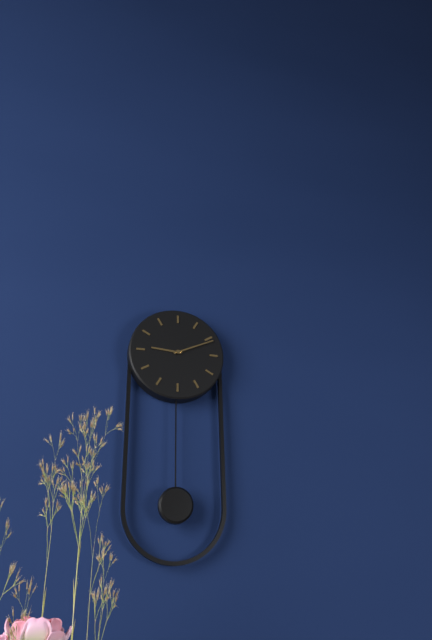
9:11
